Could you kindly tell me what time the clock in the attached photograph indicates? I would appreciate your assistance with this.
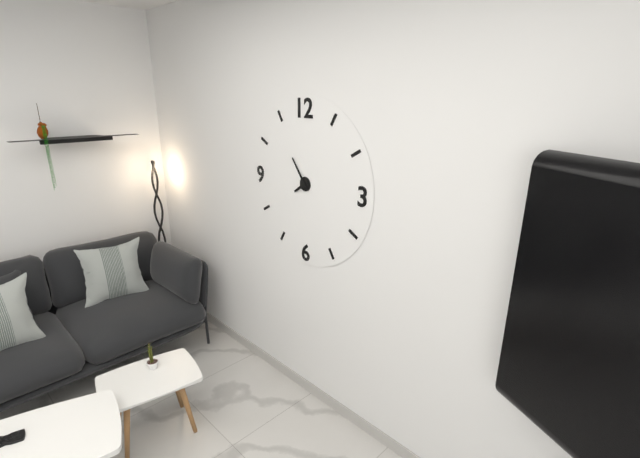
7:54
